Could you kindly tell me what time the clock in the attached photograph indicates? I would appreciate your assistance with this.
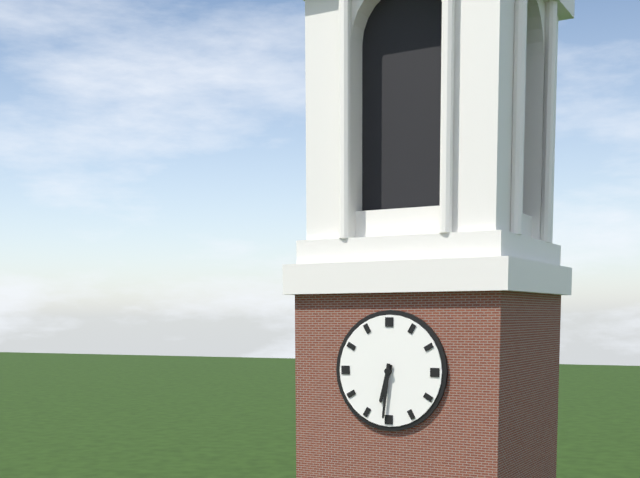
6:31
